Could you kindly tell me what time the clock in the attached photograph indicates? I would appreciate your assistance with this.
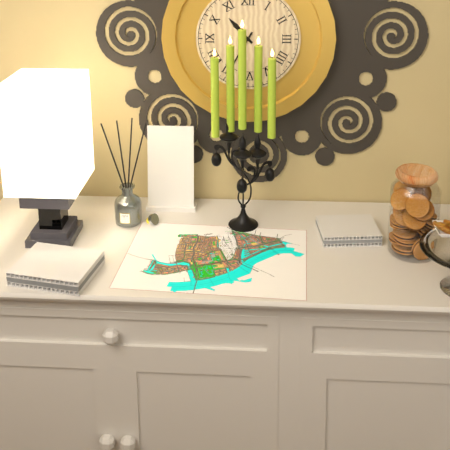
10:35
